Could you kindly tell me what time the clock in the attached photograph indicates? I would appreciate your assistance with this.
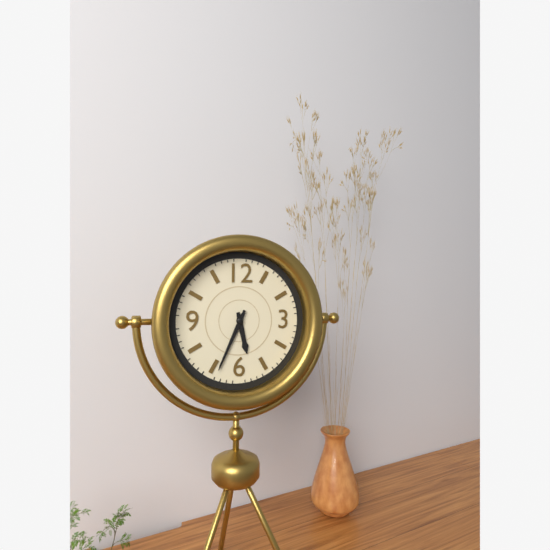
5:34
